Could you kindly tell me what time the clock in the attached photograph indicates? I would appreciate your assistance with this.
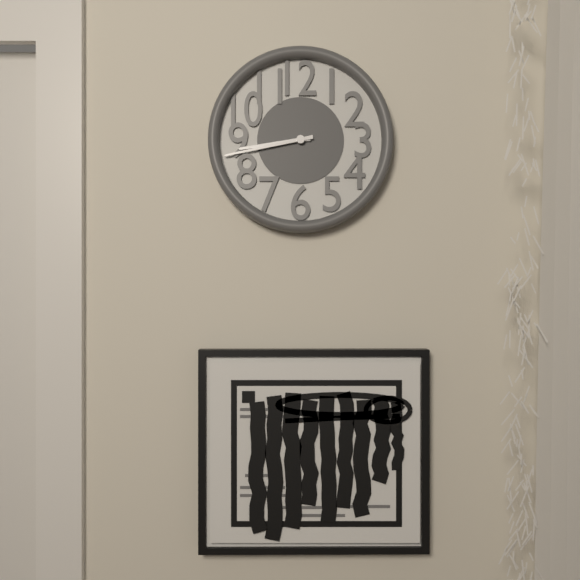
8:43
